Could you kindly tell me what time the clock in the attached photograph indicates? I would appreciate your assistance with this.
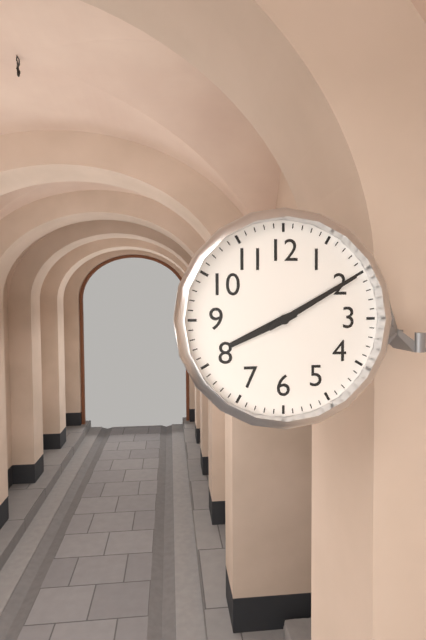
8:10
